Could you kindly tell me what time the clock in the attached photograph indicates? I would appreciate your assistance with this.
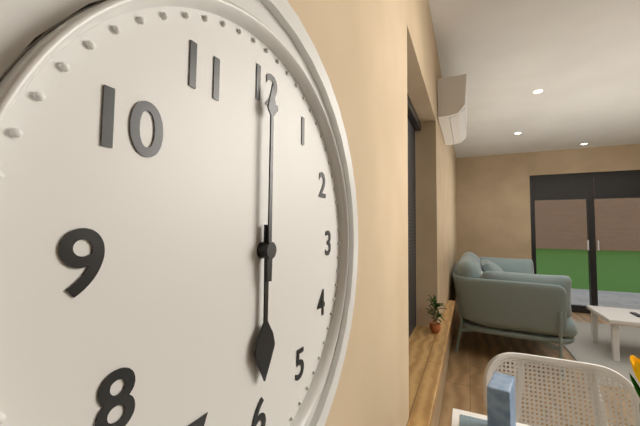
6:00
